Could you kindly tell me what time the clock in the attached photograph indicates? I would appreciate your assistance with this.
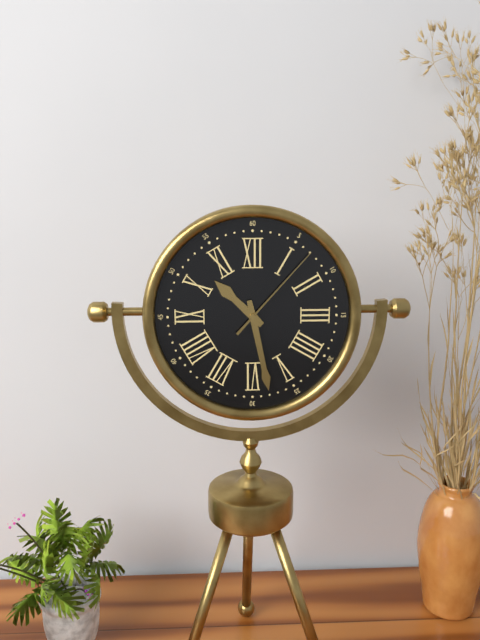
10:28:07
